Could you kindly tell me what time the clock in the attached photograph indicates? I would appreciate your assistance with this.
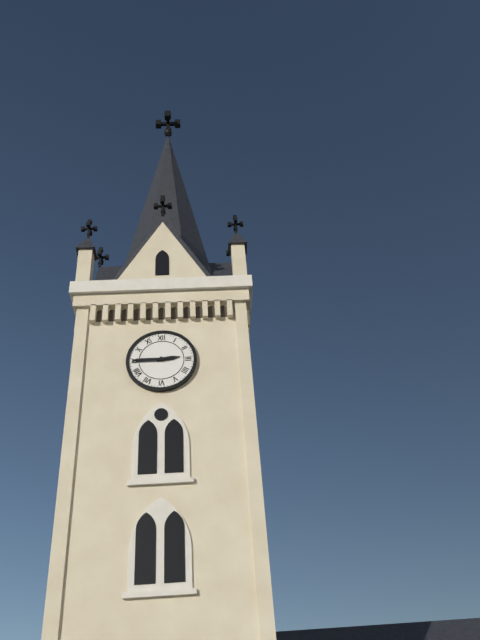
2:45
